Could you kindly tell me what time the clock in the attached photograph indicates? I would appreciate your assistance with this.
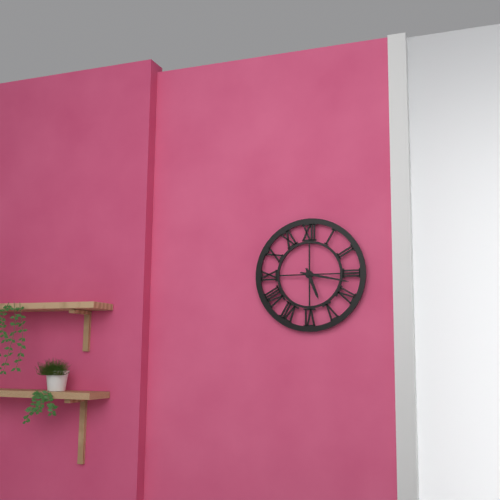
5:17
